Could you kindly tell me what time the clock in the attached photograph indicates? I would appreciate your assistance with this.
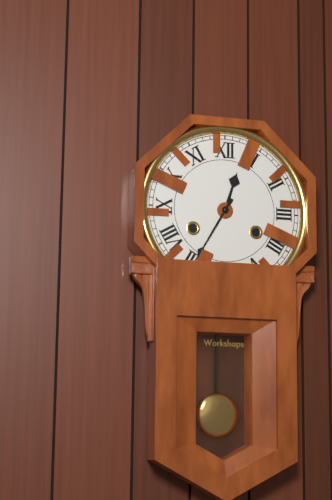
12:35
